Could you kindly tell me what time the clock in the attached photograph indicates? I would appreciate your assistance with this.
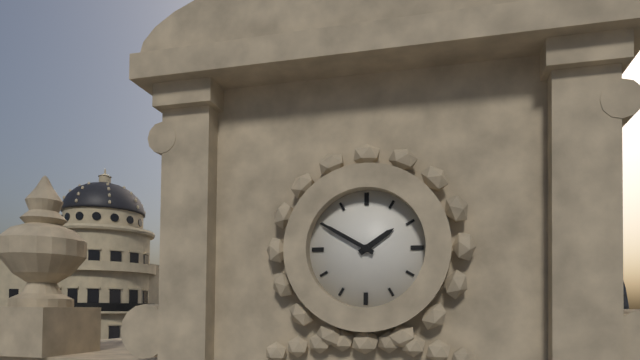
1:50
